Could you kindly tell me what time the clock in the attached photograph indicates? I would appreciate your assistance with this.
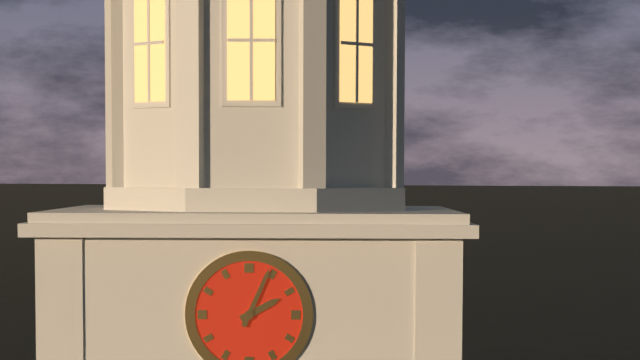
2:04
